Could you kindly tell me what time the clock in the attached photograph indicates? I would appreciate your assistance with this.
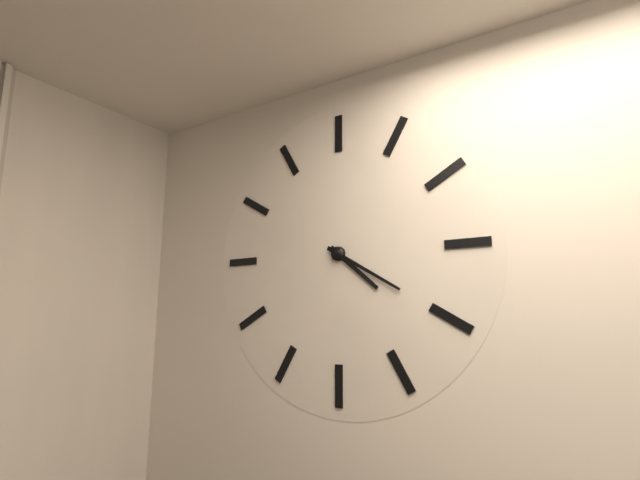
4:20
